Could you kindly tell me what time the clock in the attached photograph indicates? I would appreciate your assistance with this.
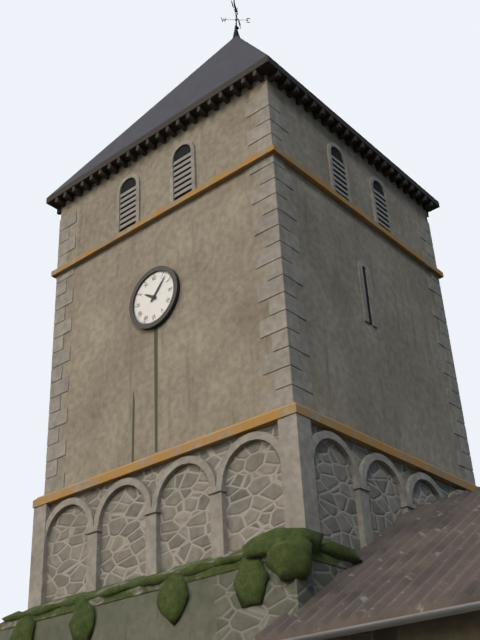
10:07
